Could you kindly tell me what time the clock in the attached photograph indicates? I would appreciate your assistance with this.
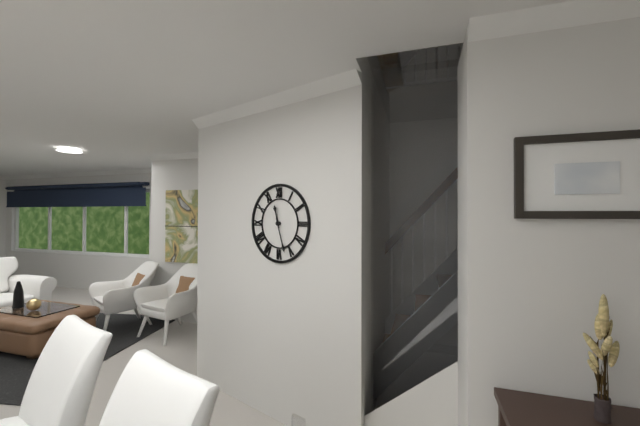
11:27
